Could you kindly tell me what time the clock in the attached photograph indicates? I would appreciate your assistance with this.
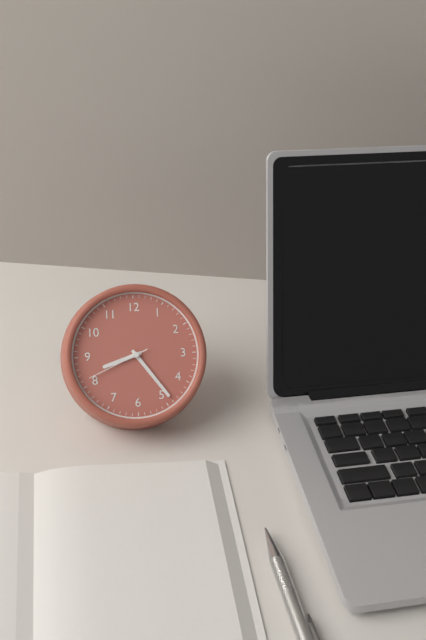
8:24:41
